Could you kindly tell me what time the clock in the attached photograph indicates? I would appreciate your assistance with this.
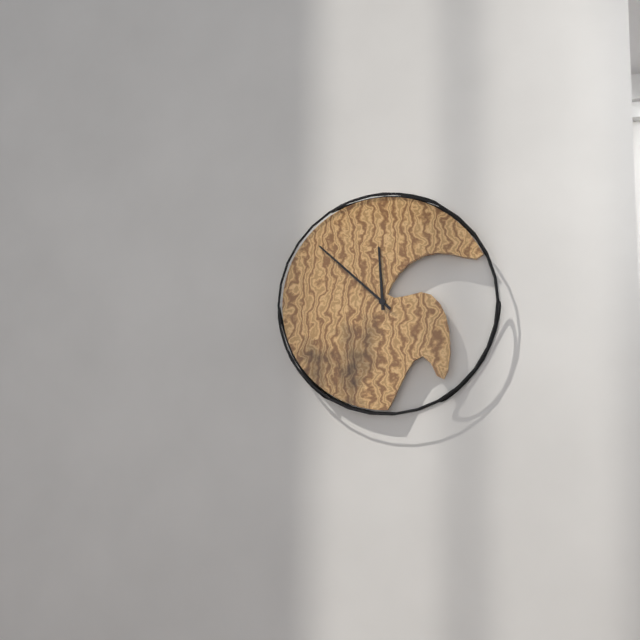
11:52
